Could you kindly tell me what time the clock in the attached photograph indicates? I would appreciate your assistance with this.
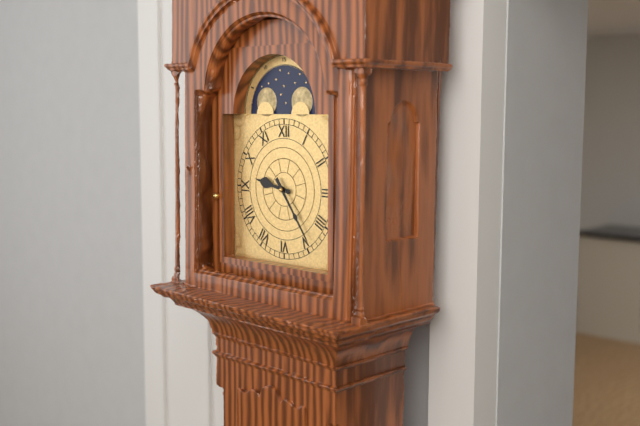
9:24
